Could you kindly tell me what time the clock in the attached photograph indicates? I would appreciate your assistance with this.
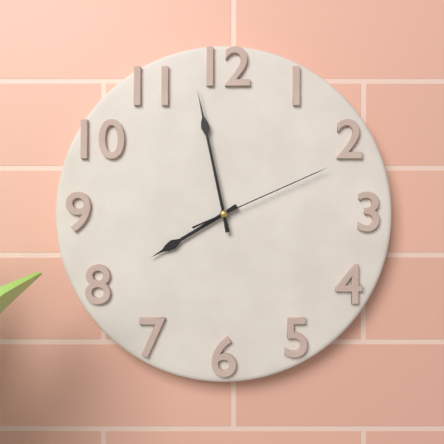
7:58:11
